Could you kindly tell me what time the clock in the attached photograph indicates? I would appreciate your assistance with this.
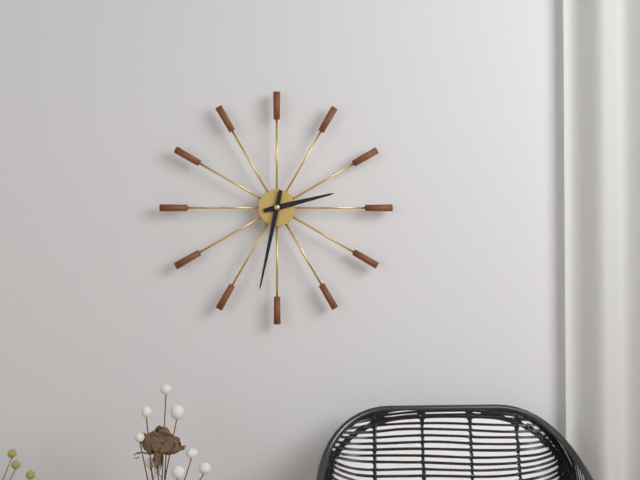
2:32
